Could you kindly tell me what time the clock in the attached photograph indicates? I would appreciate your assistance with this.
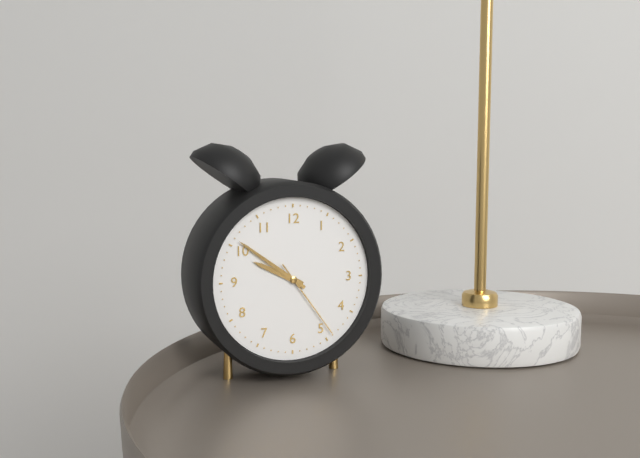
9:51:24
